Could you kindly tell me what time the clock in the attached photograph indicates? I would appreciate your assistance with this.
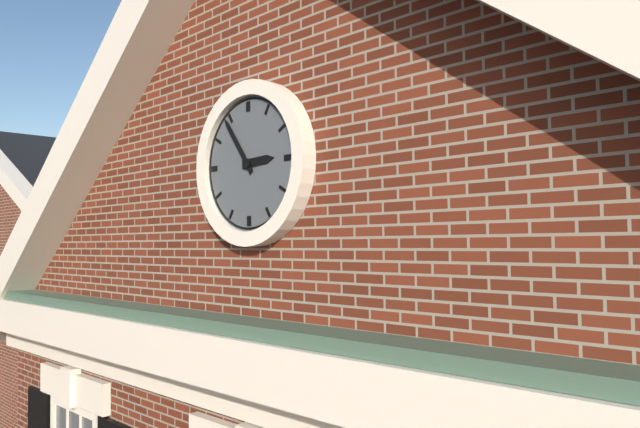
2:54
